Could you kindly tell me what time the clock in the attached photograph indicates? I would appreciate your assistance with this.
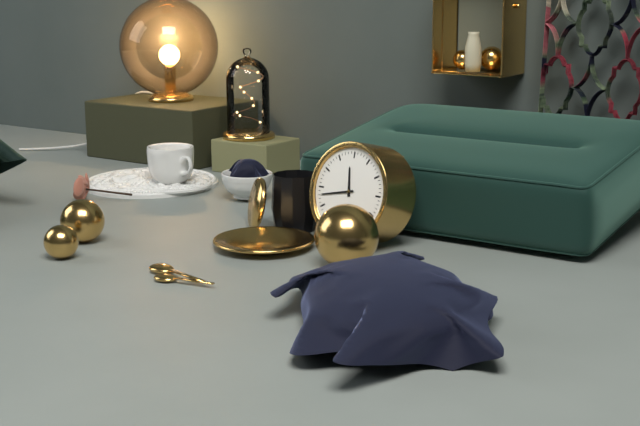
11:43
